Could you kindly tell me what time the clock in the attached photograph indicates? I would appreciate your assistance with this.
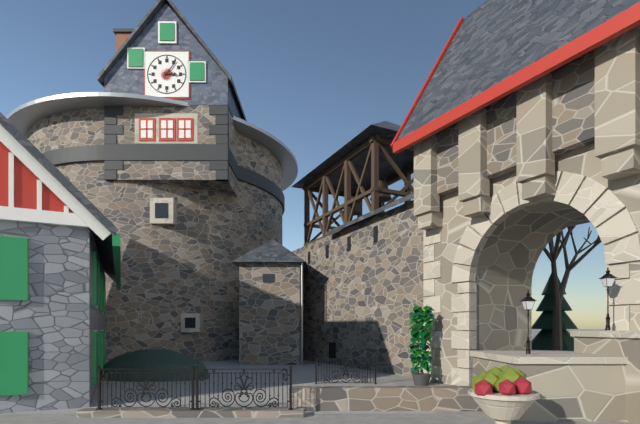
3:06
